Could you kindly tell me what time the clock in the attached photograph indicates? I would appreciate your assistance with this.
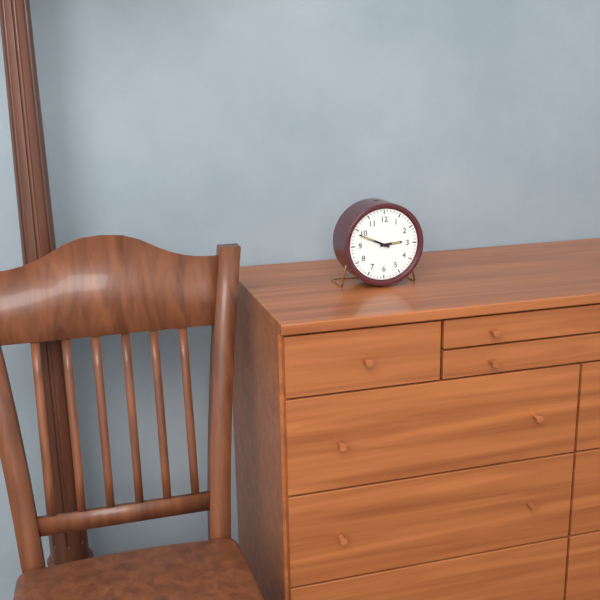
2:49
